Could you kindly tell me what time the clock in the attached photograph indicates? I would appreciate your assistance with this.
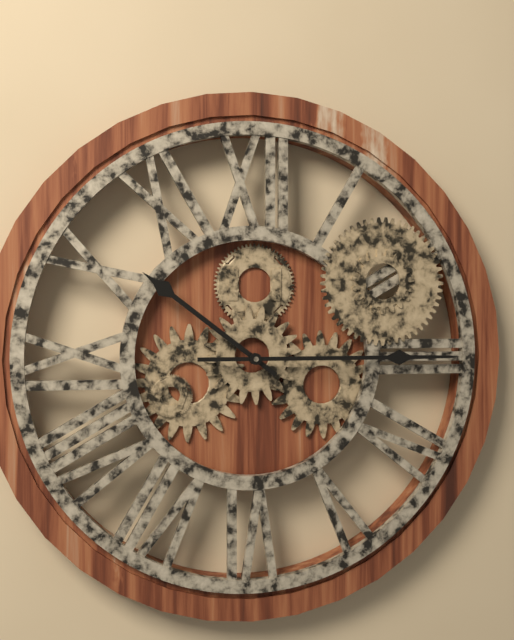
10:15
